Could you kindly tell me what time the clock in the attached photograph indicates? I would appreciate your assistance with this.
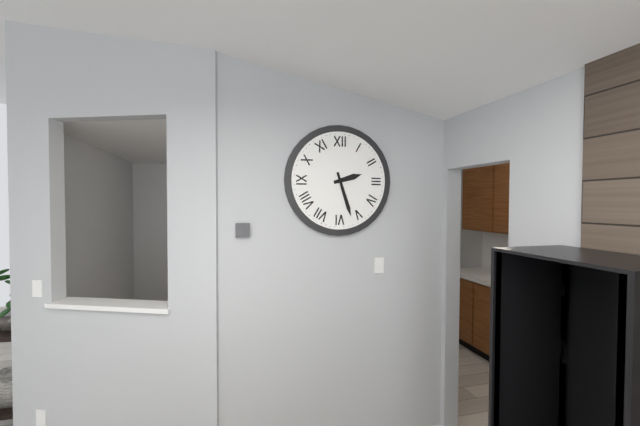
2:27
